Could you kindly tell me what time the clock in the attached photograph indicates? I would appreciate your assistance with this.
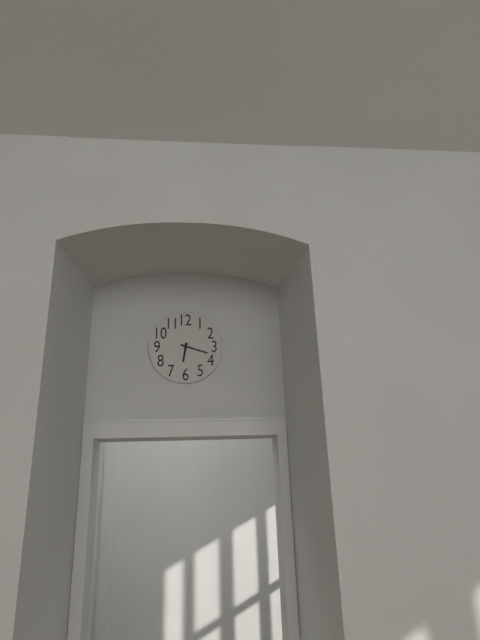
6:18
